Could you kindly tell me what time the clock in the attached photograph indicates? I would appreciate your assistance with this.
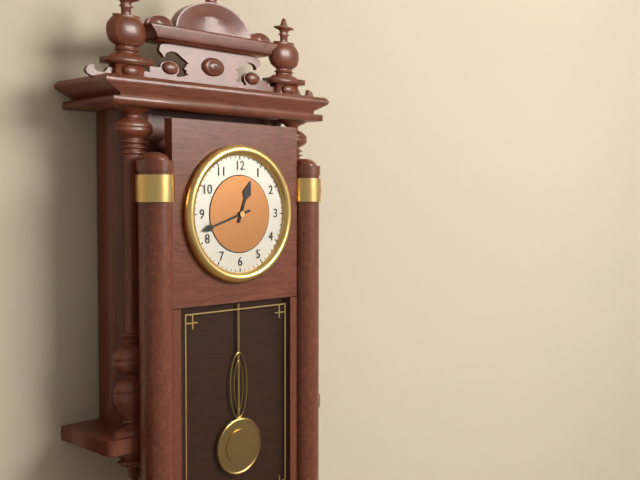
12:42
